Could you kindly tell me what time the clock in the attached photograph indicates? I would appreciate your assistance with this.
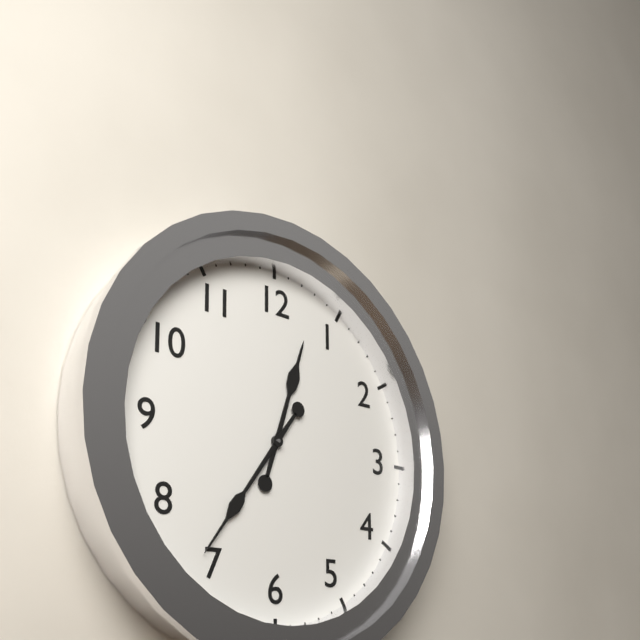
12:36
